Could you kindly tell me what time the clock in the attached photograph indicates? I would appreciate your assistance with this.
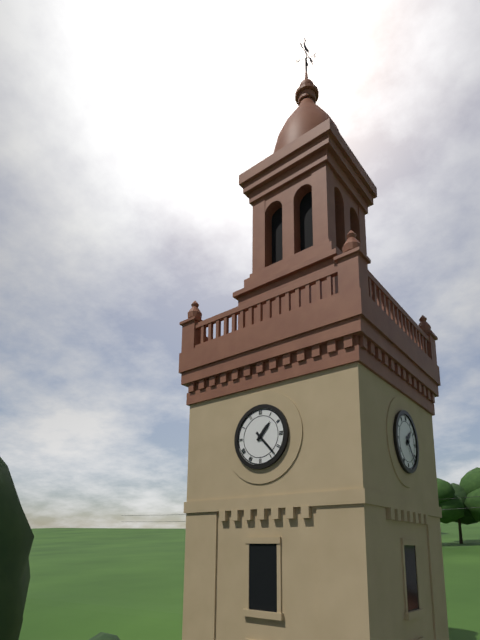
1:23
